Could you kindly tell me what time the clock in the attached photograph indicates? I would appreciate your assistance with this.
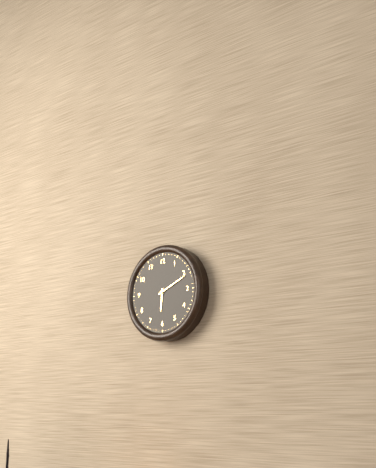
6:11
